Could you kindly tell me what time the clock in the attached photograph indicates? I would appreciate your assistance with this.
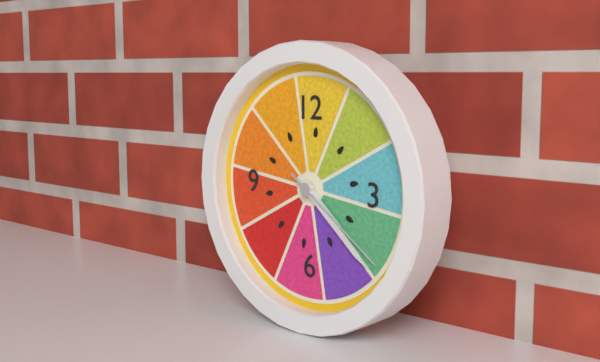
4:22:21
